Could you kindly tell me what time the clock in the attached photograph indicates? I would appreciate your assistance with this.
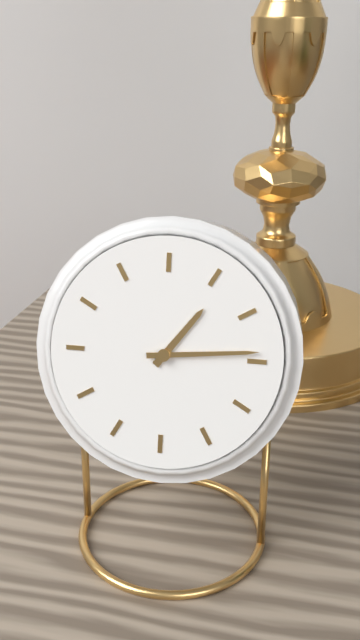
1:14
